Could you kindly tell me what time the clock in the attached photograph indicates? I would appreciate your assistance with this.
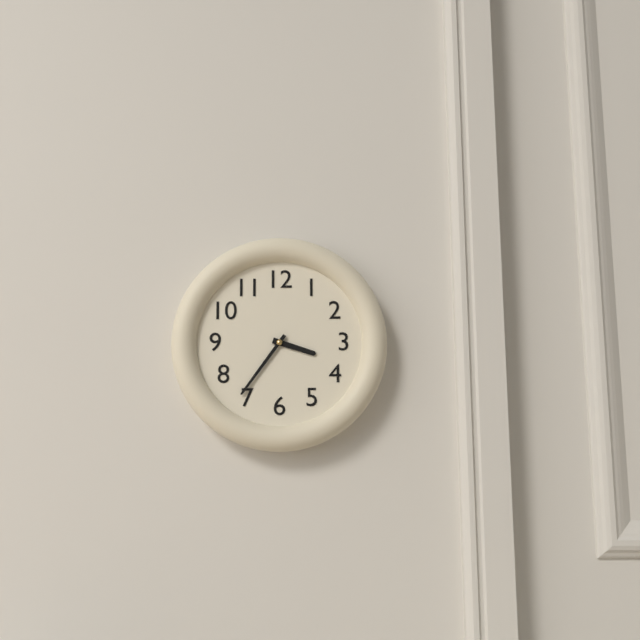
3:36
